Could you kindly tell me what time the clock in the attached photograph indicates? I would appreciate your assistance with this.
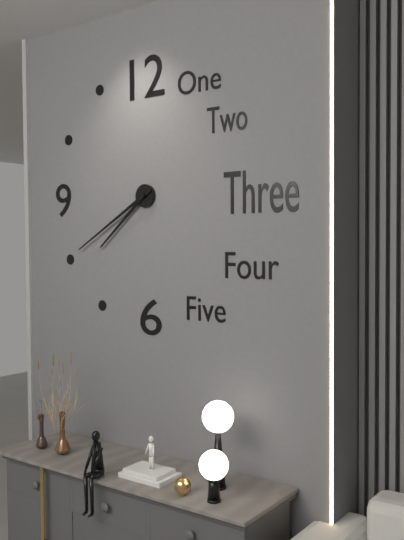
7:40
